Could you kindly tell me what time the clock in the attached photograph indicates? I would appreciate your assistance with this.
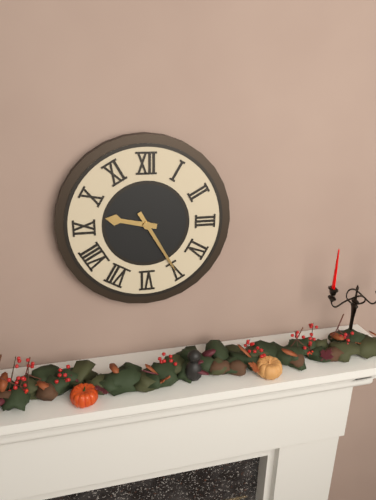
9:25
